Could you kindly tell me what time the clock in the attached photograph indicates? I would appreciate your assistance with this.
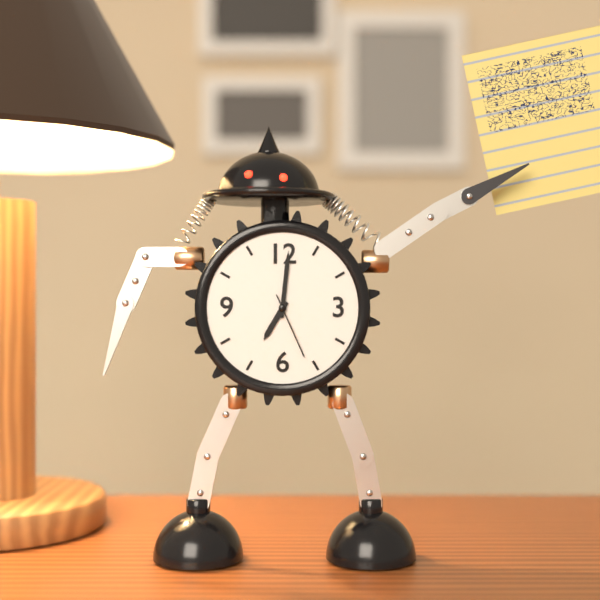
7:01:26
